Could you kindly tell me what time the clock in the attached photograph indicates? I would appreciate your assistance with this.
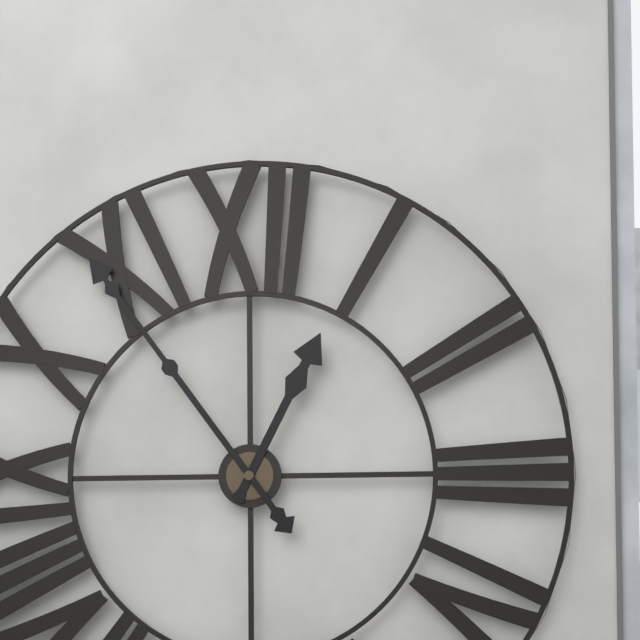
12:54
